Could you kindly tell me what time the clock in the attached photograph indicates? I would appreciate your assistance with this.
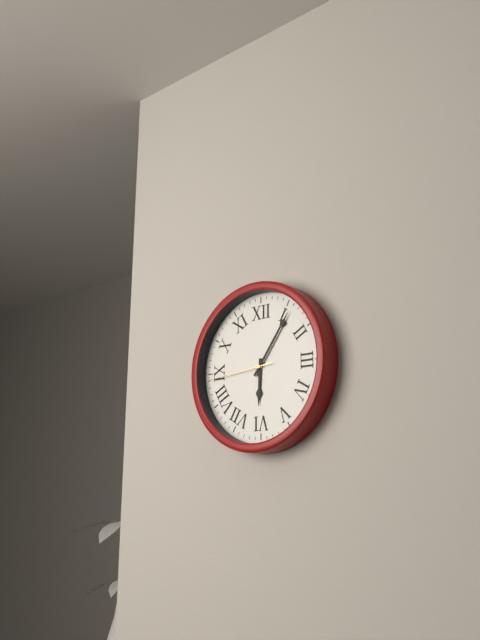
6:06:44
